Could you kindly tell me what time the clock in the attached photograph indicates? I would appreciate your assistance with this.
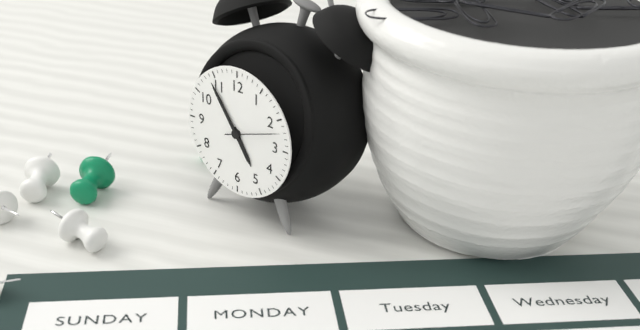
4:54:12
